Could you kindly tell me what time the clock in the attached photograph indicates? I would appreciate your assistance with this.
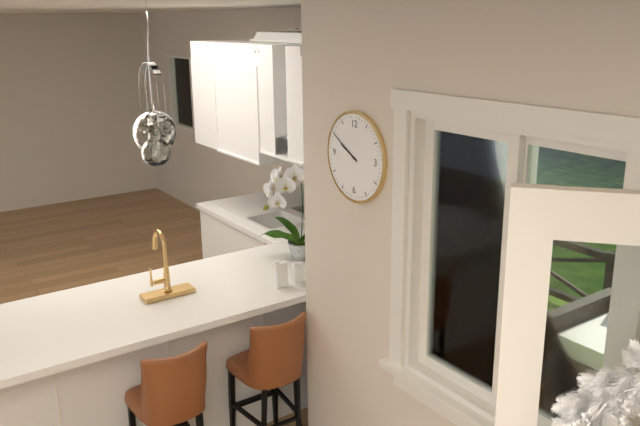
9:50
